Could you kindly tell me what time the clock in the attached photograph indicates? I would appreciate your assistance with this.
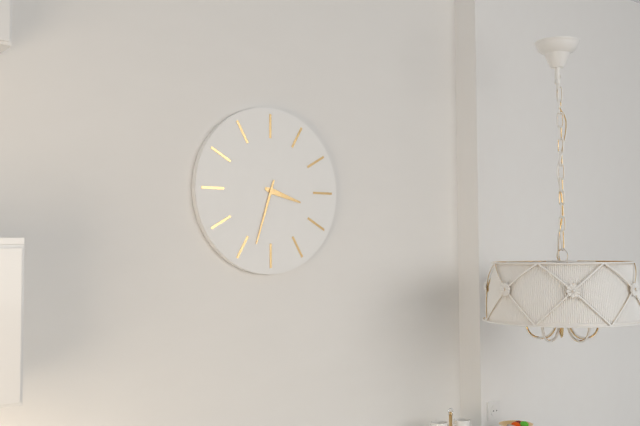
3:33
